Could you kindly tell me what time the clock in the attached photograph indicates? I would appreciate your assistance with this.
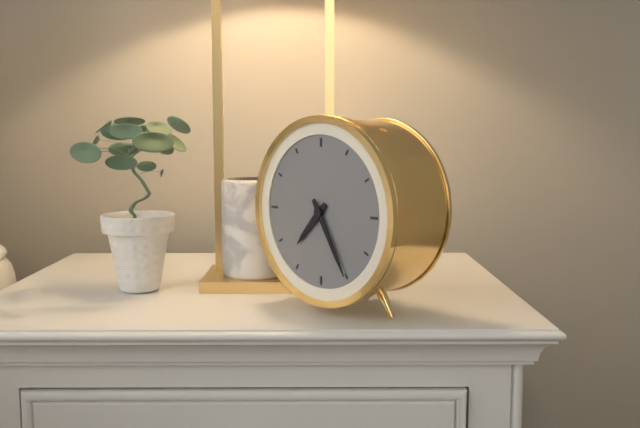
7:25
